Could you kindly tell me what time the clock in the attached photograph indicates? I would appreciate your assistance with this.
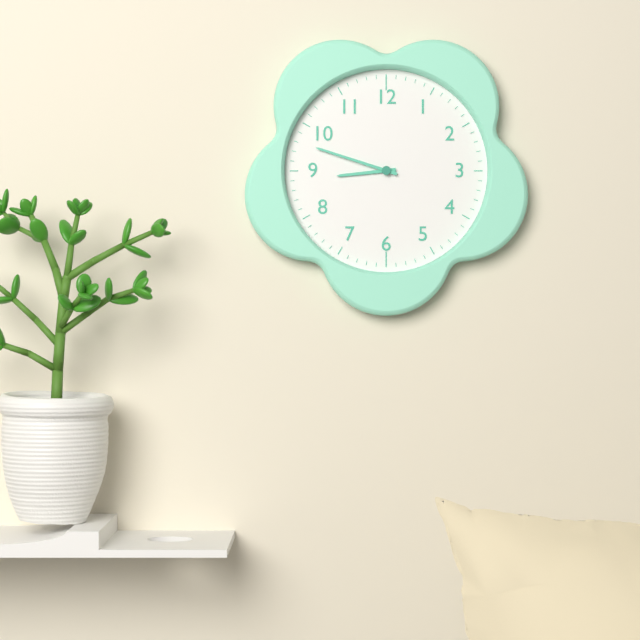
8:48
